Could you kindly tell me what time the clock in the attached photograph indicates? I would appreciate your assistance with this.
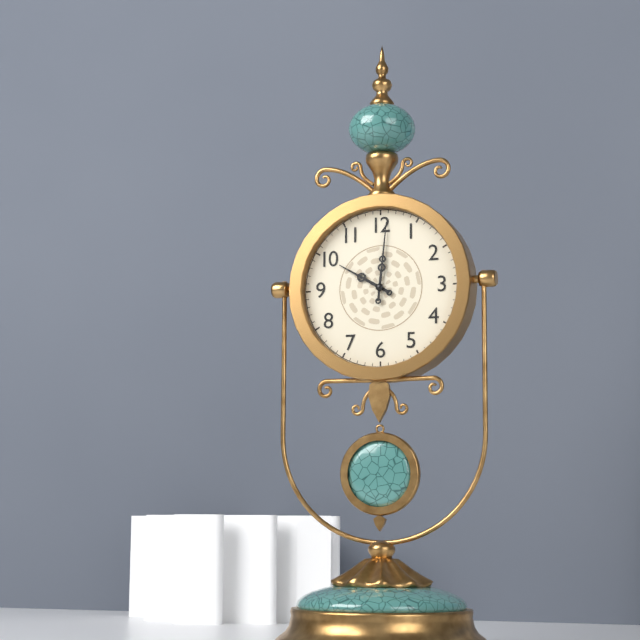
10:01
